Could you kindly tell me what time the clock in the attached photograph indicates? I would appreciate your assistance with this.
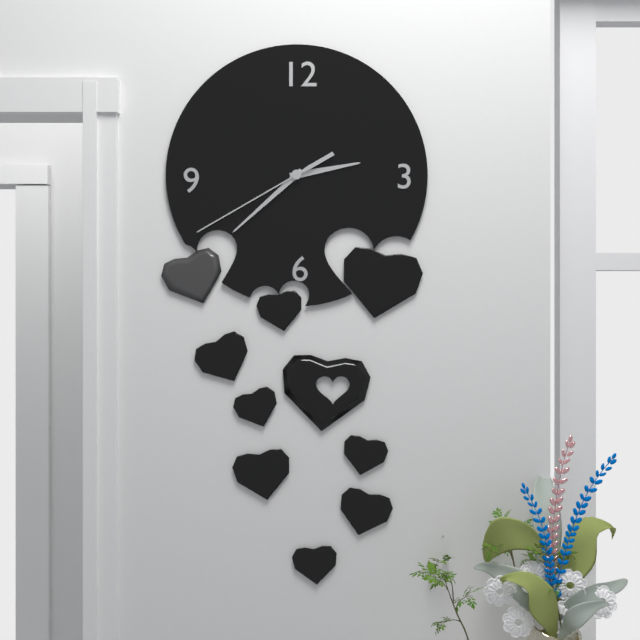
2:38:40
